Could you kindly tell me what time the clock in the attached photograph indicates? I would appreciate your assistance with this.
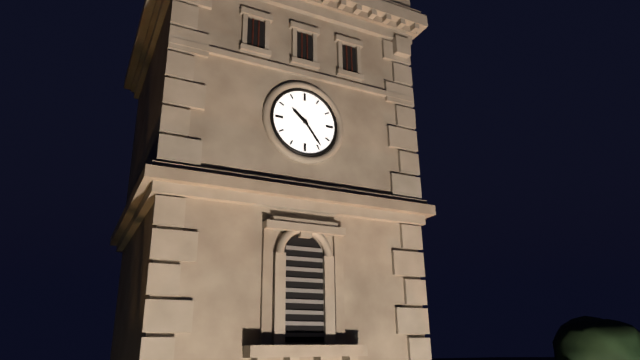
10:24
